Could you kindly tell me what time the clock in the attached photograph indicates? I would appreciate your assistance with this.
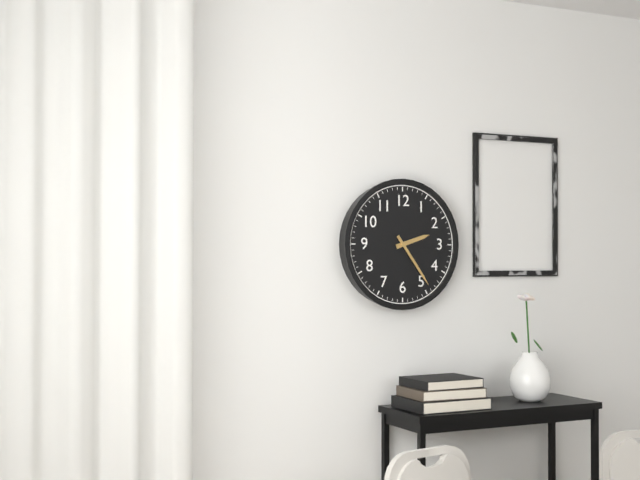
2:24
